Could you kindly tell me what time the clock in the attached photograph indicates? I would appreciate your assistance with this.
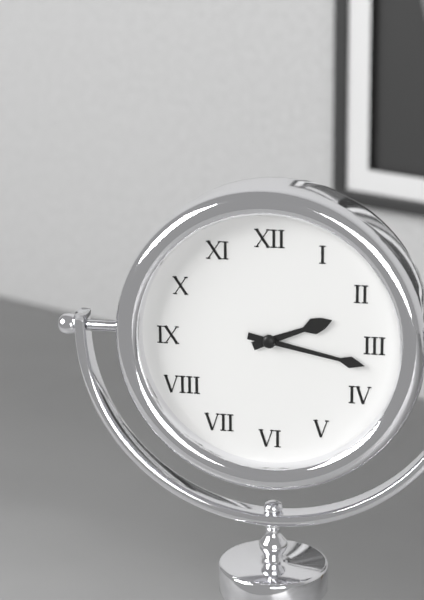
2:17
